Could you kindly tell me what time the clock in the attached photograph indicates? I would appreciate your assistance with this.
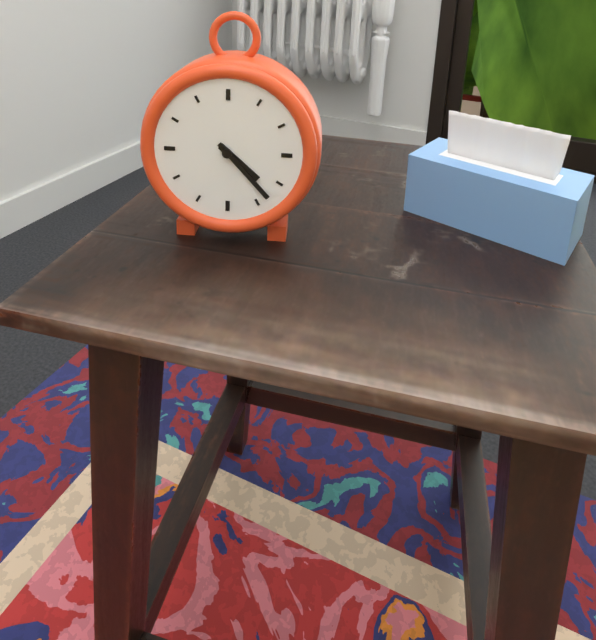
4:23
